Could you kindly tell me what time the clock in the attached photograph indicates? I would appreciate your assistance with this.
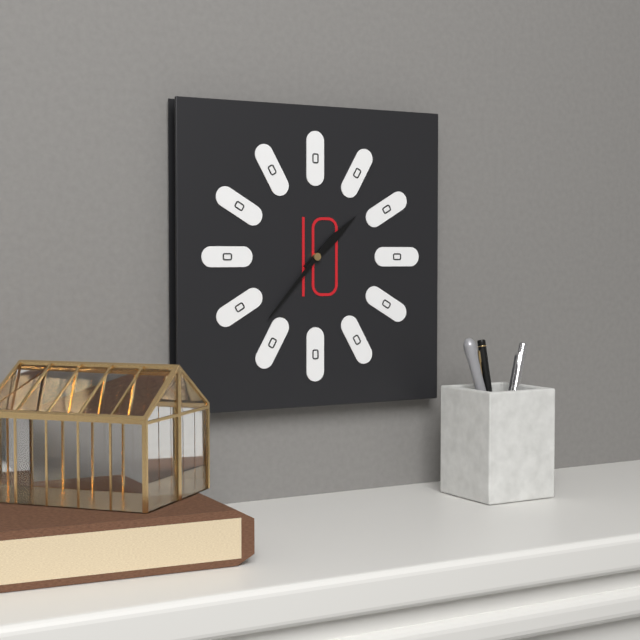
1:37
